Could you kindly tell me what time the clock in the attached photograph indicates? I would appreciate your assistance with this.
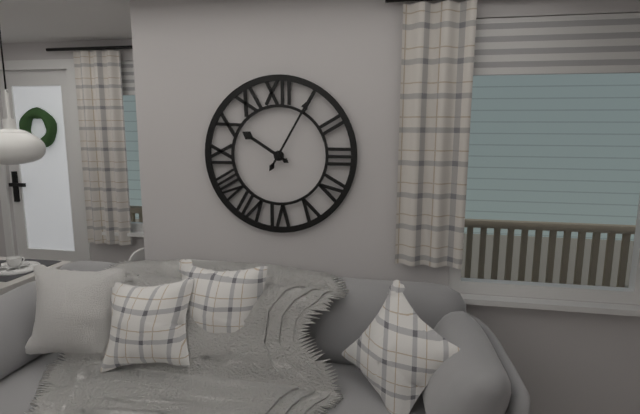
10:05
